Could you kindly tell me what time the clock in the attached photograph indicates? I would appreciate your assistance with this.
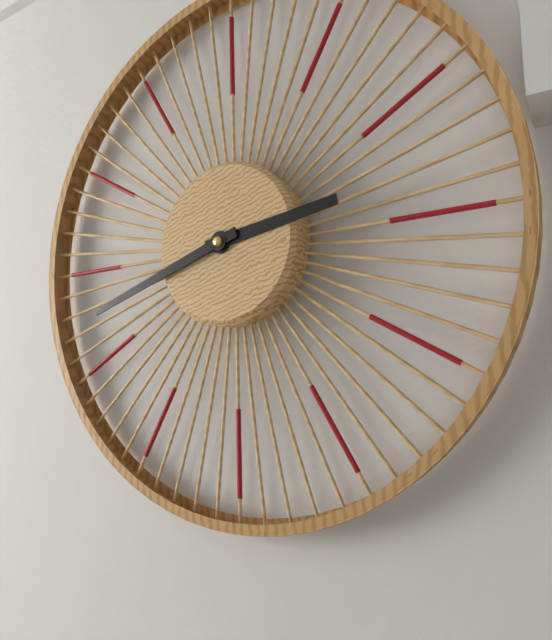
2:42
